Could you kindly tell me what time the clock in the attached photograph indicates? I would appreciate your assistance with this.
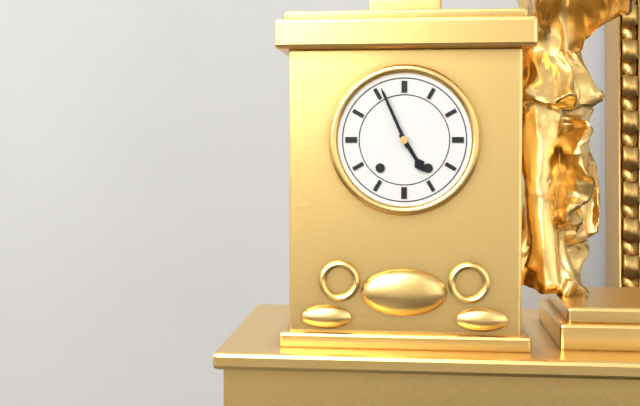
4:56
